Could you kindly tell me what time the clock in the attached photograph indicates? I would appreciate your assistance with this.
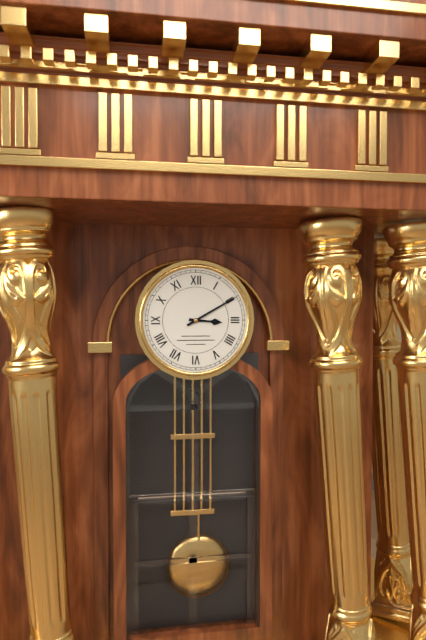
3:10
